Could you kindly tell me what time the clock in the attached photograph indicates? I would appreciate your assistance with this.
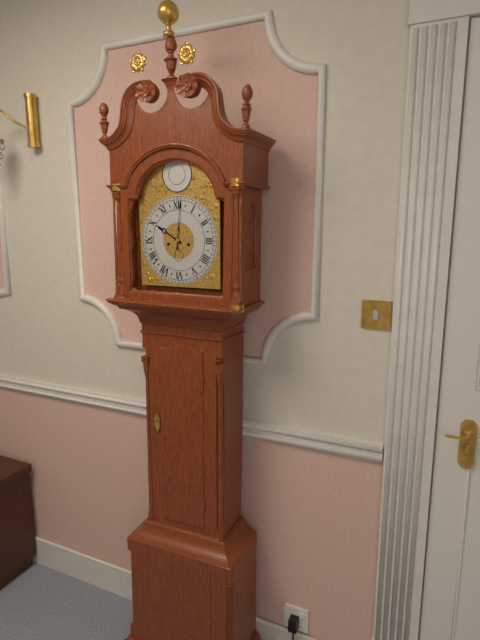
10:01
